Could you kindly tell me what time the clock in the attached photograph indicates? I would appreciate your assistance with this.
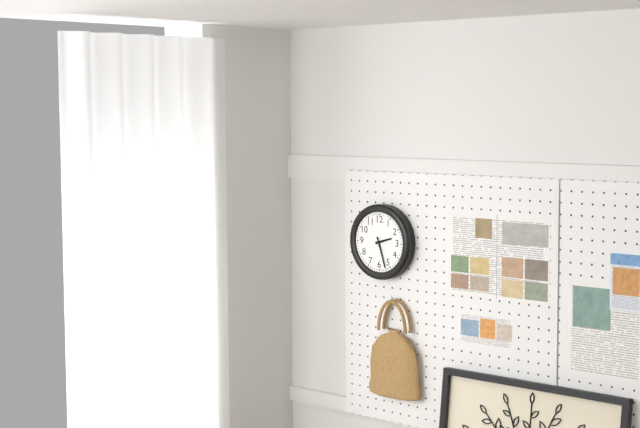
2:27
